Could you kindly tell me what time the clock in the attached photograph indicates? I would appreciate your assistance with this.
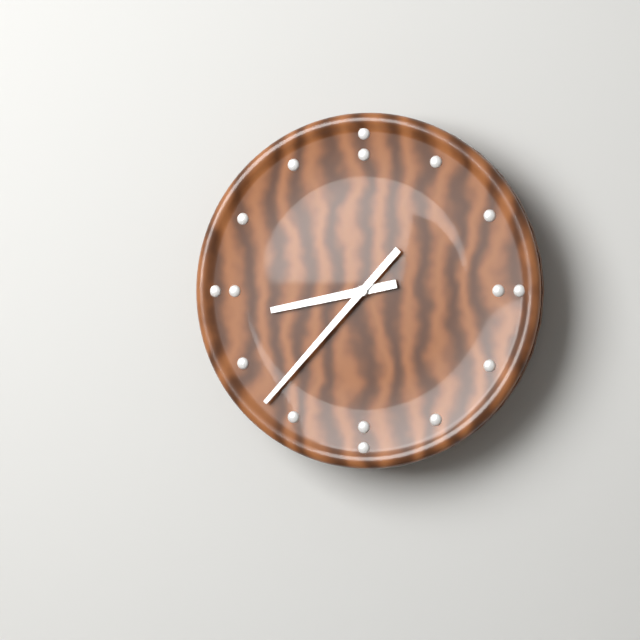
8:37
